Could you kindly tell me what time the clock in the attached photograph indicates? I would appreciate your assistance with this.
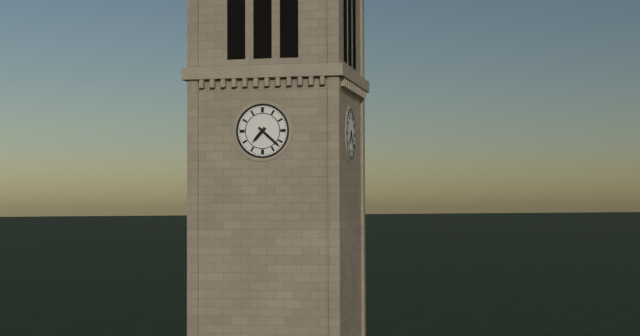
7:22
